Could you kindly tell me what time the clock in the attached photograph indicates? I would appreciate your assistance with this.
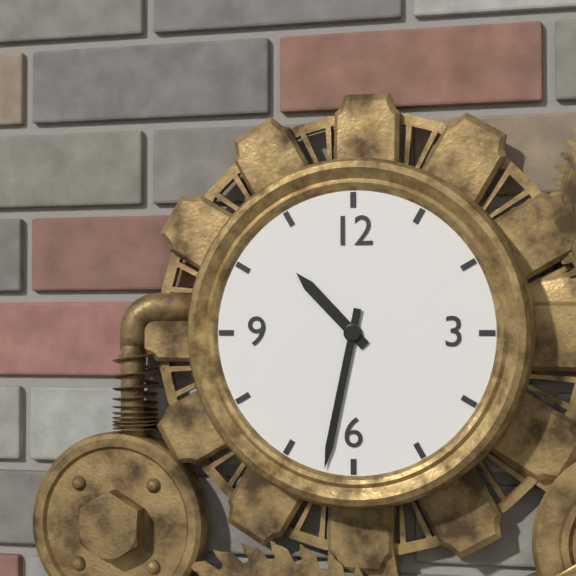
10:32
